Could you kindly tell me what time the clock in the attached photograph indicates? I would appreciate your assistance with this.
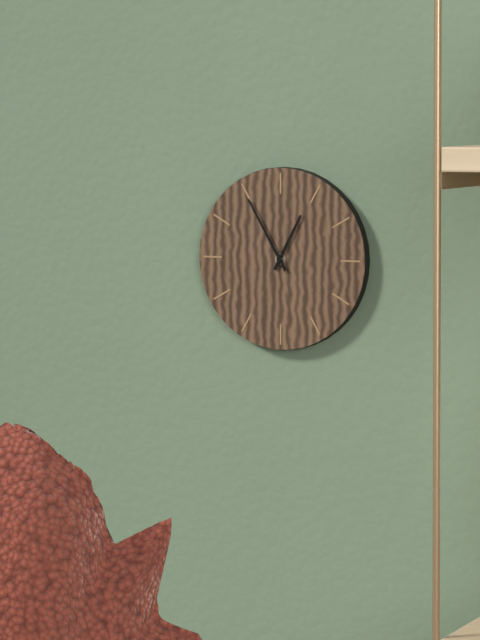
12:55
